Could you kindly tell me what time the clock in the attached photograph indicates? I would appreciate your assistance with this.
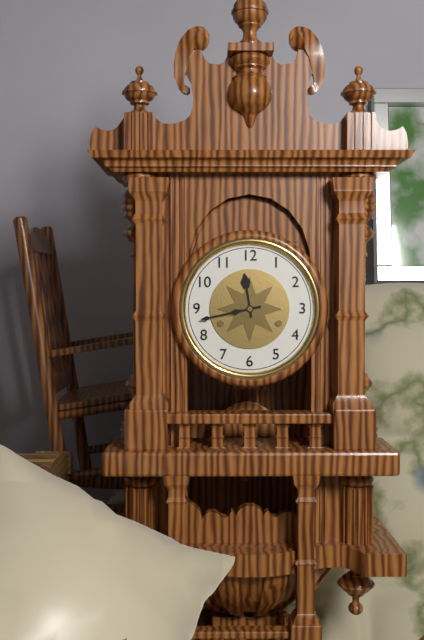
11:43
